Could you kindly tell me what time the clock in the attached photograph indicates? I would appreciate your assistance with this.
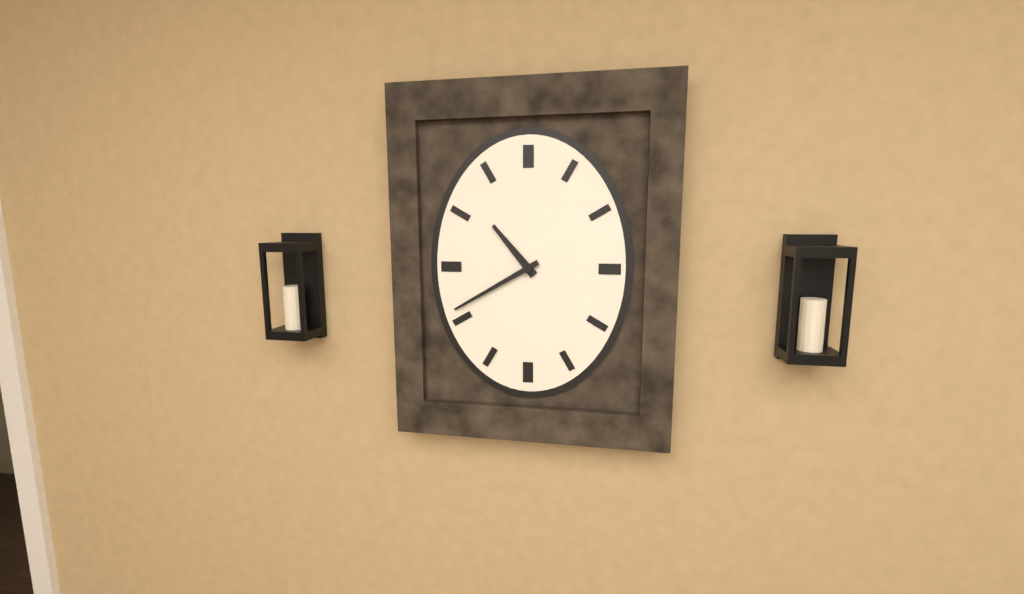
10:40
